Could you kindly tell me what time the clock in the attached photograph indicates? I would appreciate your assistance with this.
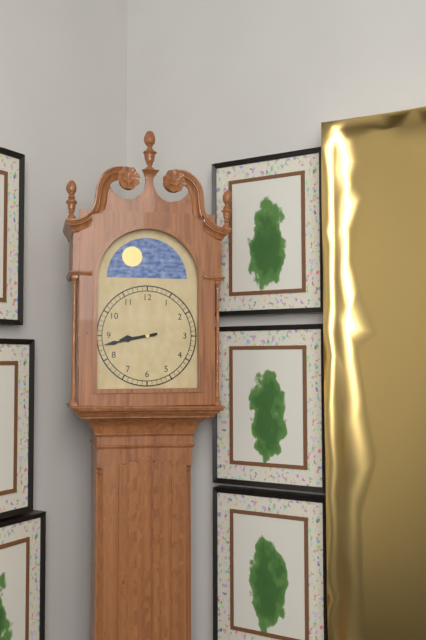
8:43
